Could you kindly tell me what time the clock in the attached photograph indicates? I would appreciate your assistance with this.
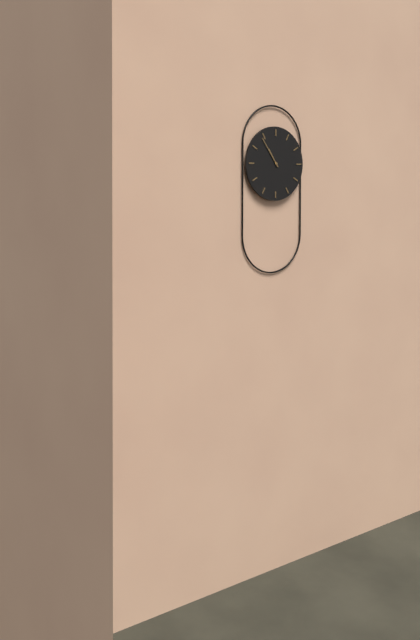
10:54
